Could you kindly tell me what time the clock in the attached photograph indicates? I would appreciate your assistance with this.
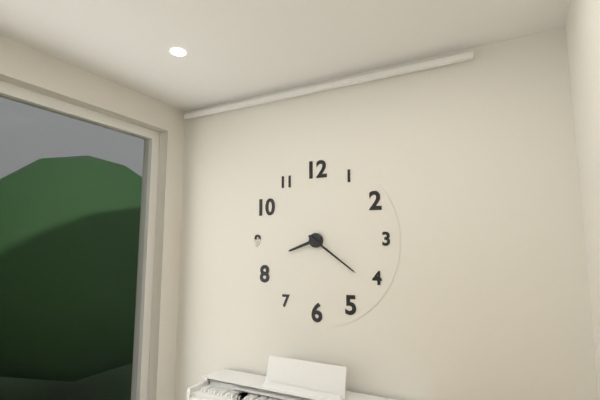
8:21
